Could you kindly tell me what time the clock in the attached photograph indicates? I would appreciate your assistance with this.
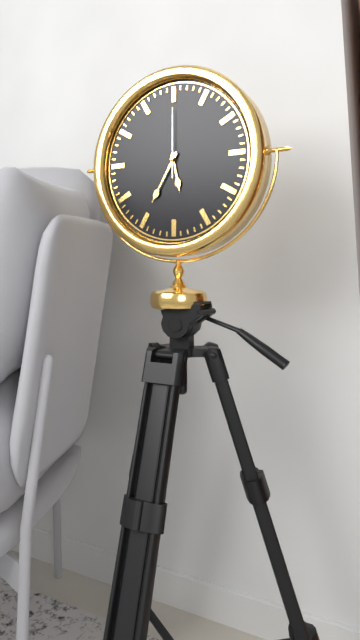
5:35:00
